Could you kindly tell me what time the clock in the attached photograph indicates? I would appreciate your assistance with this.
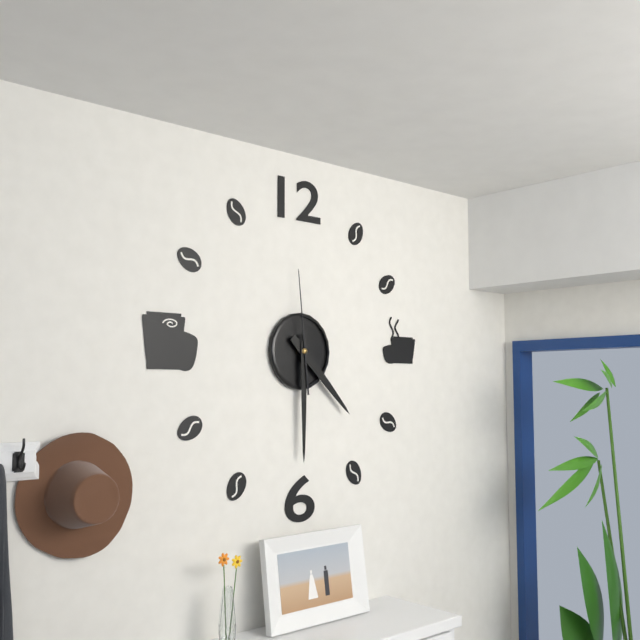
4:30:59
